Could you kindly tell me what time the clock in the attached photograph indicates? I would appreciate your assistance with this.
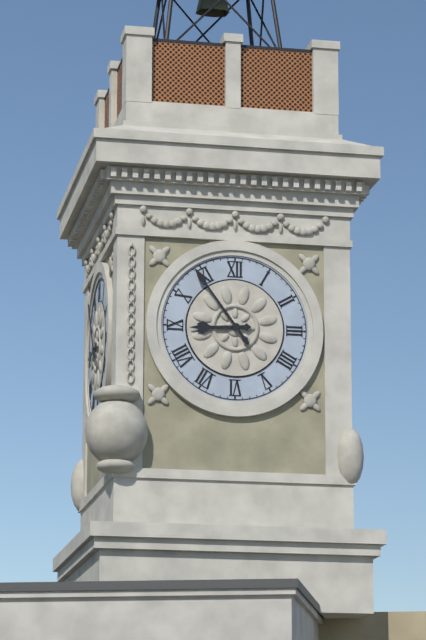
8:54
